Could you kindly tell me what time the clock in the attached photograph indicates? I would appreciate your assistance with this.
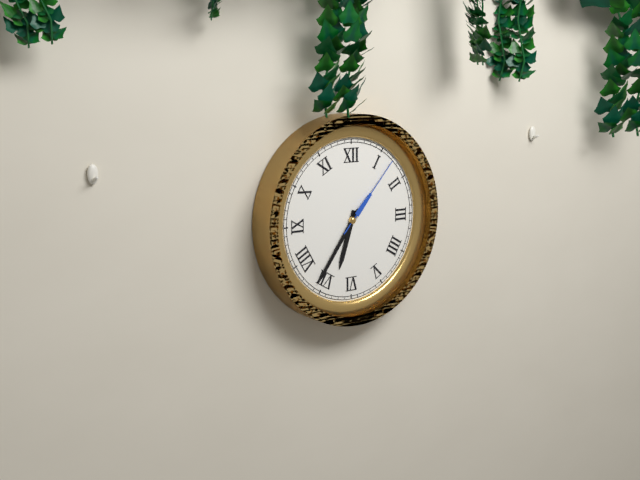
6:36:07
